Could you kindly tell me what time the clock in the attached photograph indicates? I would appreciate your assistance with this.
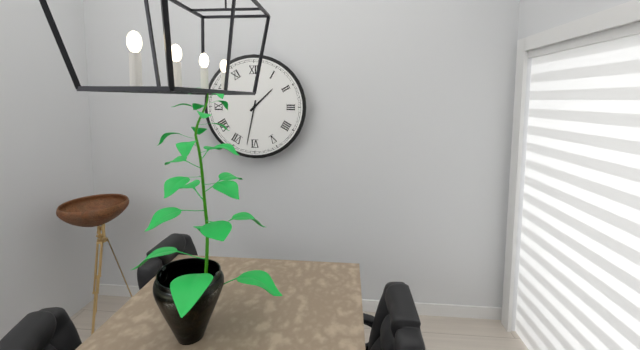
1:32
